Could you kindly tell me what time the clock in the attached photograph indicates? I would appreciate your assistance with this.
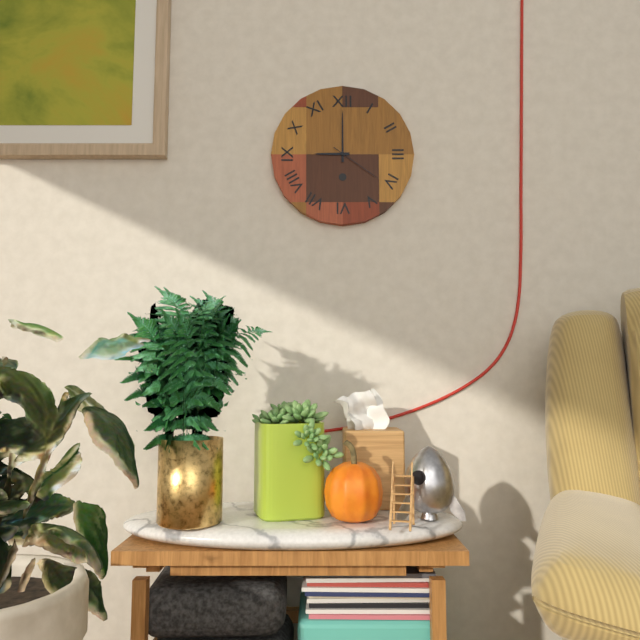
9:00:21
